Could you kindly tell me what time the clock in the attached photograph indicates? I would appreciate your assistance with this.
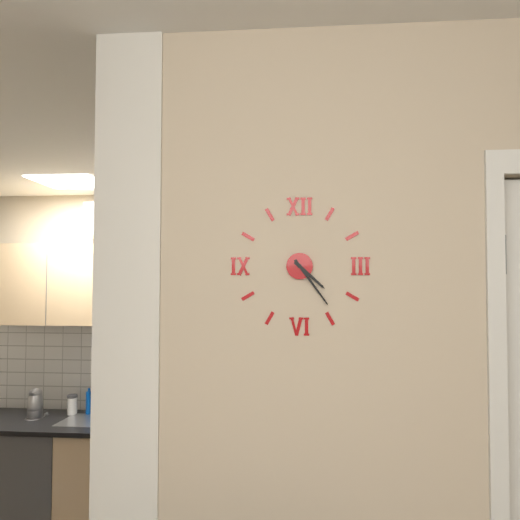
4:24
